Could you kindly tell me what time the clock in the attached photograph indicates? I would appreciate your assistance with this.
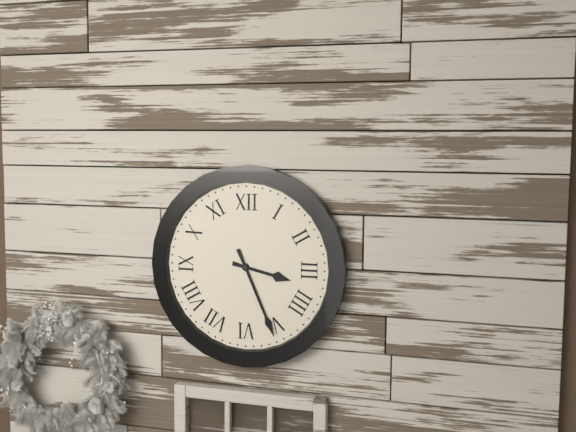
3:26
